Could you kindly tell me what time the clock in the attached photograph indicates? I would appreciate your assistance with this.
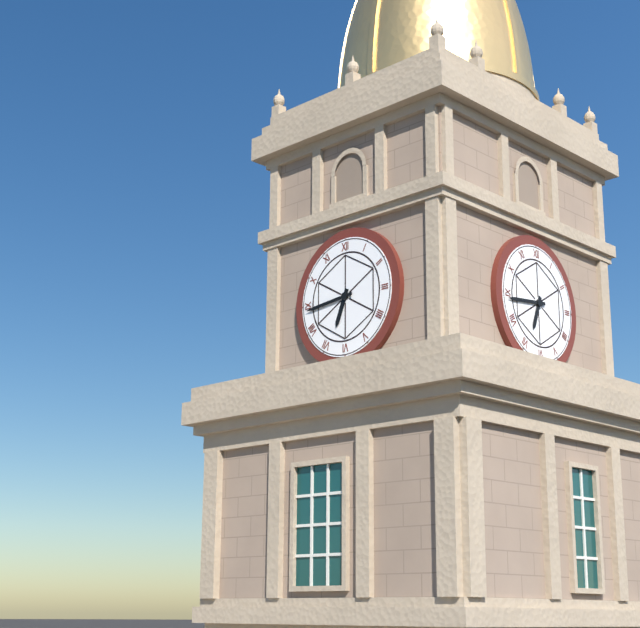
6:44
